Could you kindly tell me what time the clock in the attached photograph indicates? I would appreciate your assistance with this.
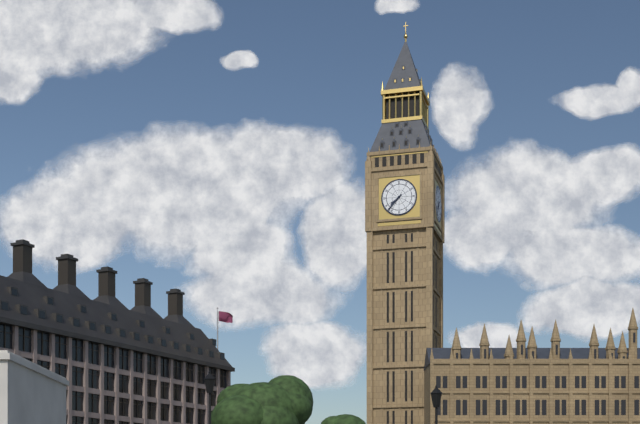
7:37
